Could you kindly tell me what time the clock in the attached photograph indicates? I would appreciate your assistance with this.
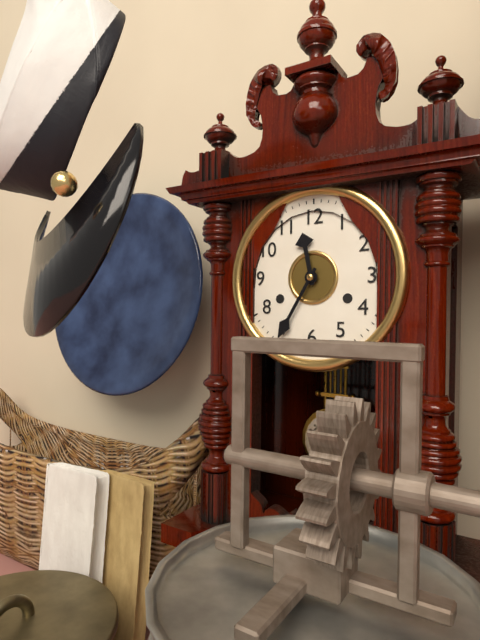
11:35
